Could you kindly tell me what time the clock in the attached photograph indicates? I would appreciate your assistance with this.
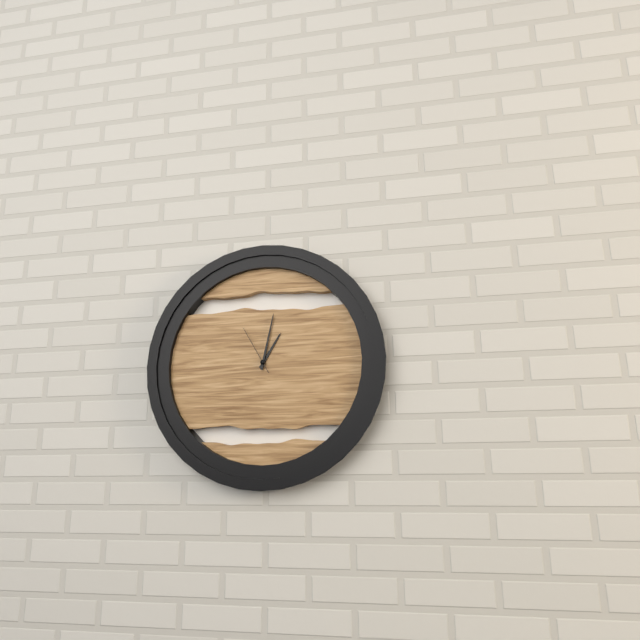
1:02:55
